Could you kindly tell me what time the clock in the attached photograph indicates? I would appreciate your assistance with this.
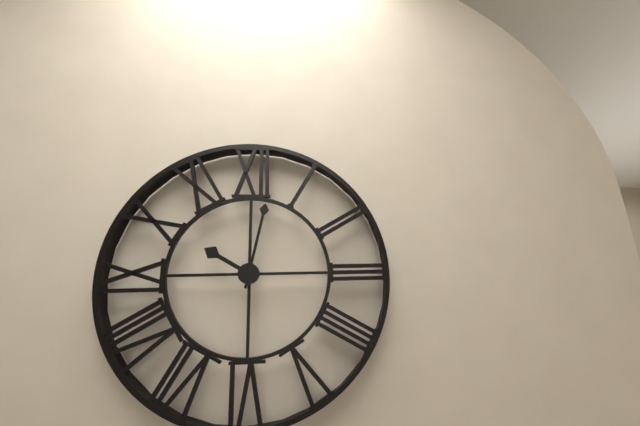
10:02
